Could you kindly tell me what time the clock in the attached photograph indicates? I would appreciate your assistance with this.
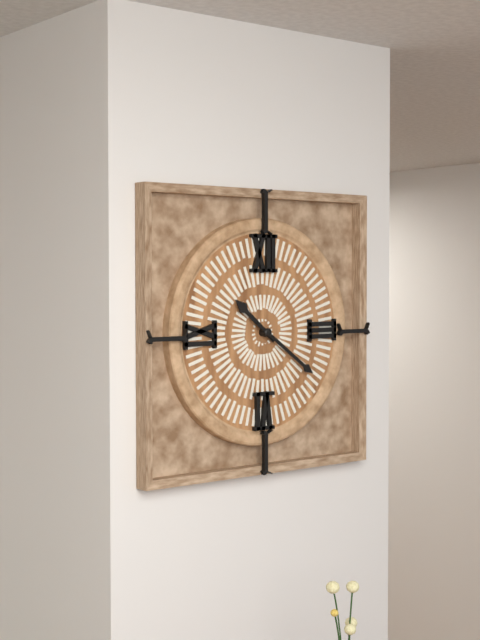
10:21
